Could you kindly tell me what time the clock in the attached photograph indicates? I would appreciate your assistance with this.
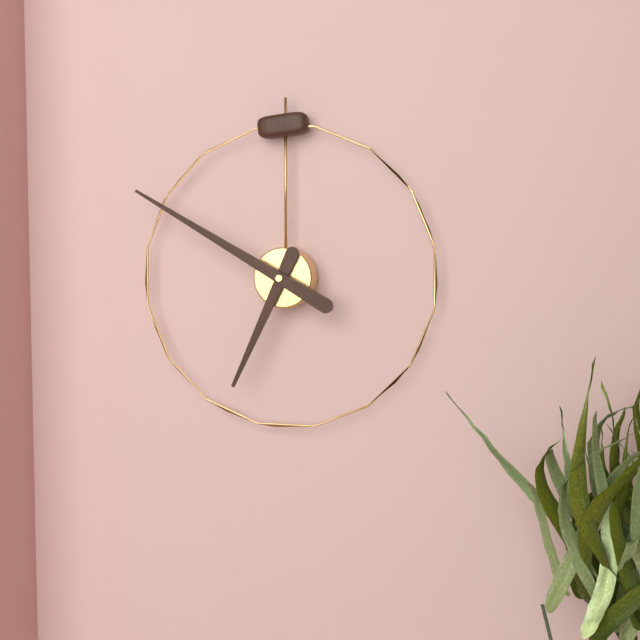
6:50
